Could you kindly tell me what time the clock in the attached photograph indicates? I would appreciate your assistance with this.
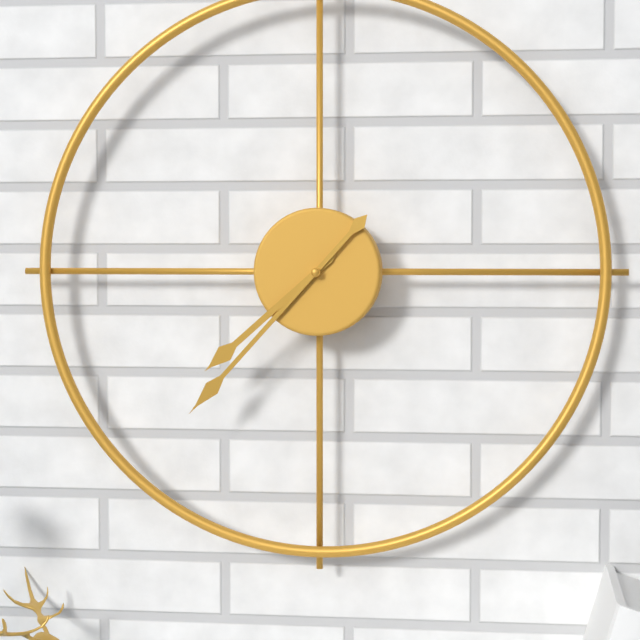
7:37
